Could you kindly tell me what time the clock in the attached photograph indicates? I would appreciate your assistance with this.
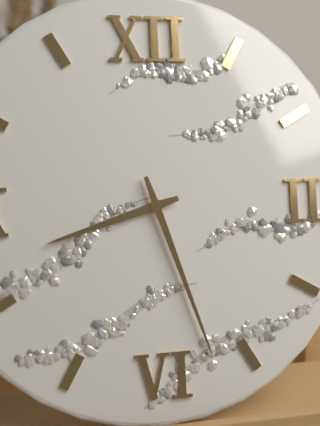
8:27
